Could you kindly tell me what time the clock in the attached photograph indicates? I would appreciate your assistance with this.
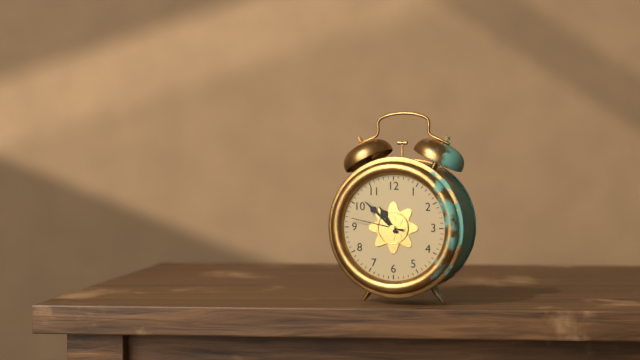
10:52:47
